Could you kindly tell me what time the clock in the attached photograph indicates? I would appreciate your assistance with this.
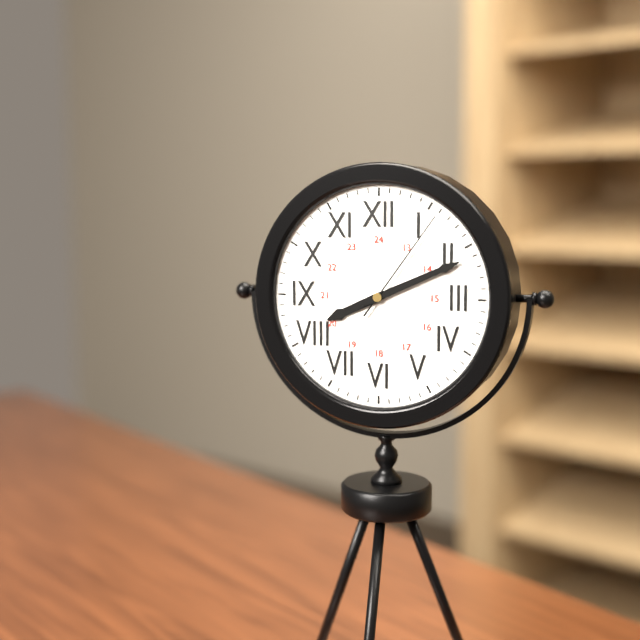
8:11:06
